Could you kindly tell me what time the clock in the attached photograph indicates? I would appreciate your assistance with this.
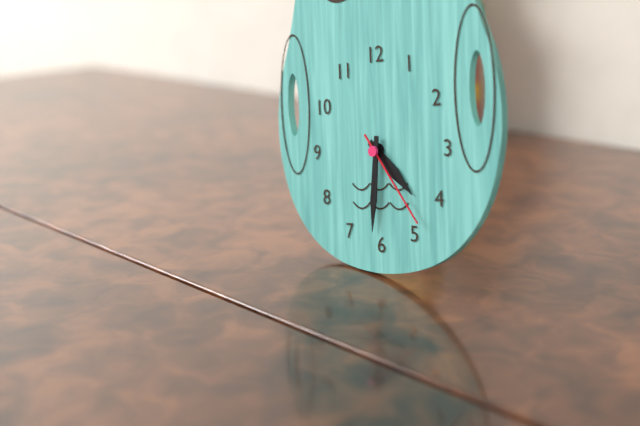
4:31:24
